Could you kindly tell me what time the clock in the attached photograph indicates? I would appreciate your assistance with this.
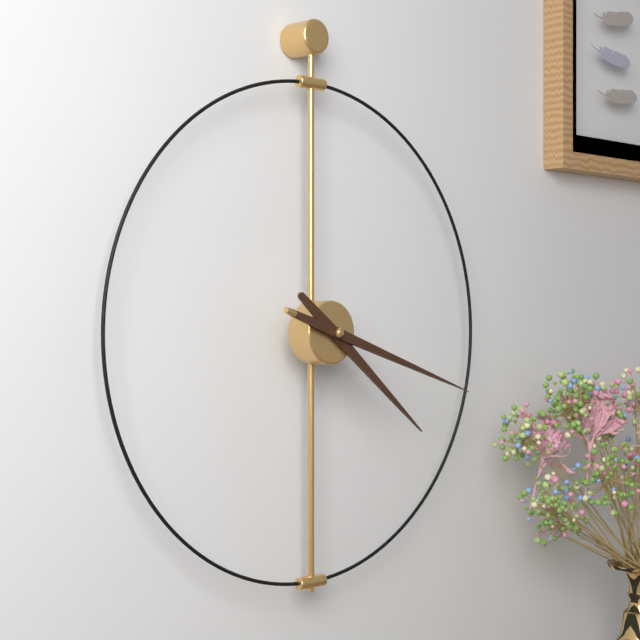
4:18
